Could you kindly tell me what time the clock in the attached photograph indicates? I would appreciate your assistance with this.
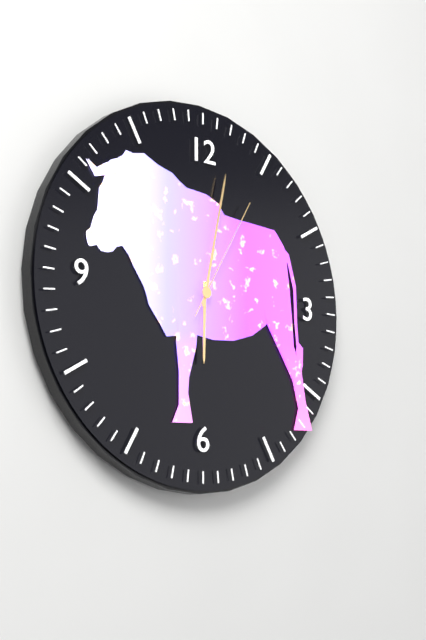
6:02:05
